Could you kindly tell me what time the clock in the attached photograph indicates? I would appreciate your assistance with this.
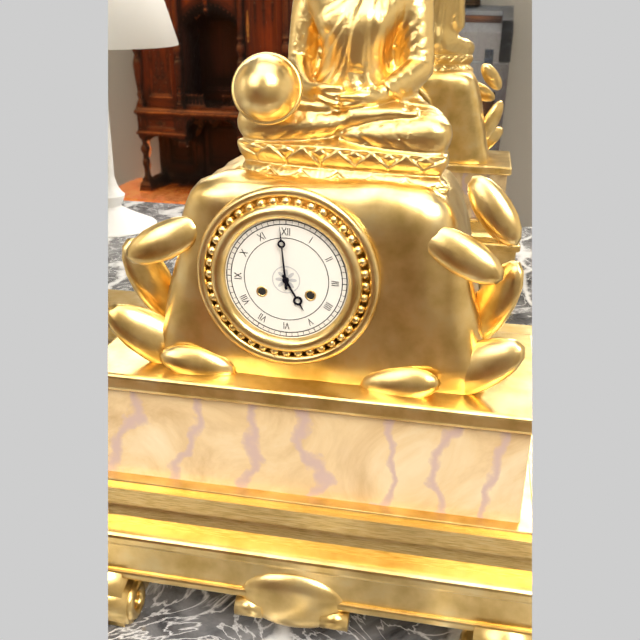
4:59
